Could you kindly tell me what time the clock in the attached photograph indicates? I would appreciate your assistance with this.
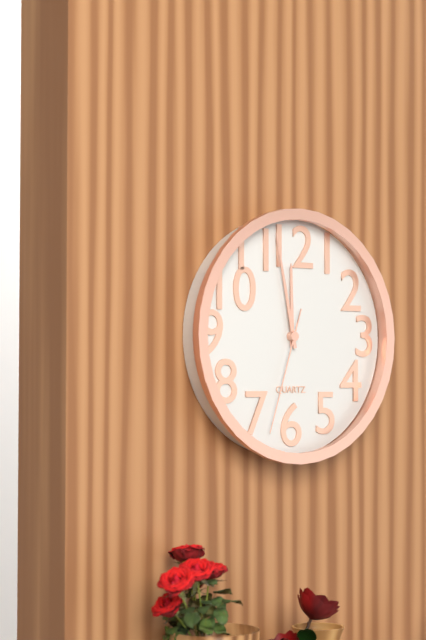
11:58:33
